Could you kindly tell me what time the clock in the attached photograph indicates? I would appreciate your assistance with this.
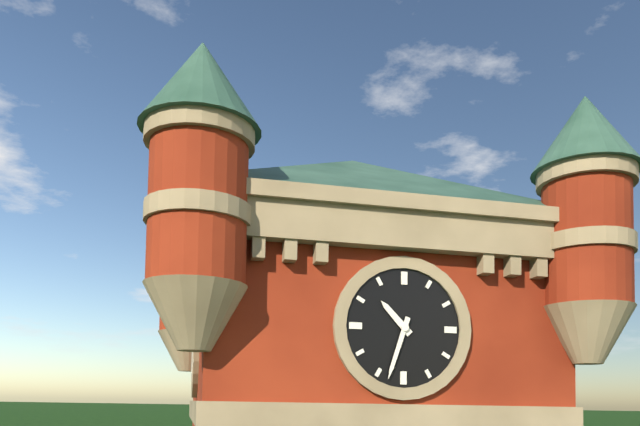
10:33
